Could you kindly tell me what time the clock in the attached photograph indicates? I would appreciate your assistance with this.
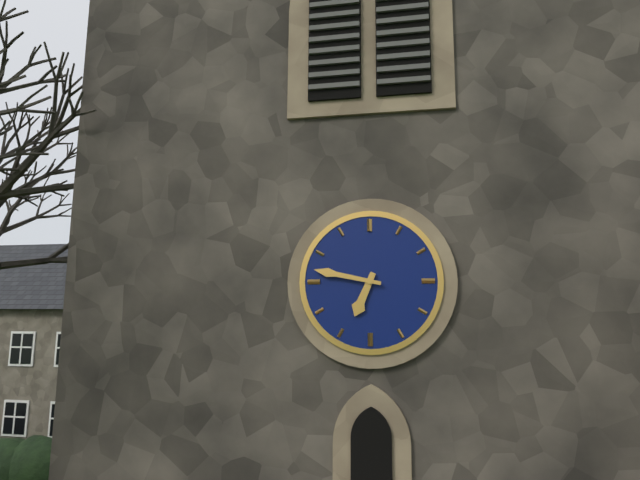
6:47
